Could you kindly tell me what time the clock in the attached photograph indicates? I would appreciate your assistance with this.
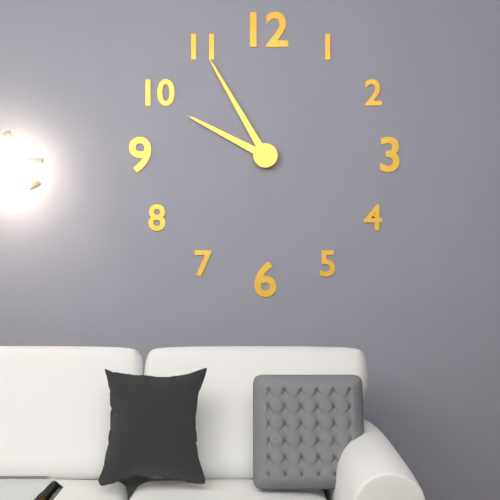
9:55
